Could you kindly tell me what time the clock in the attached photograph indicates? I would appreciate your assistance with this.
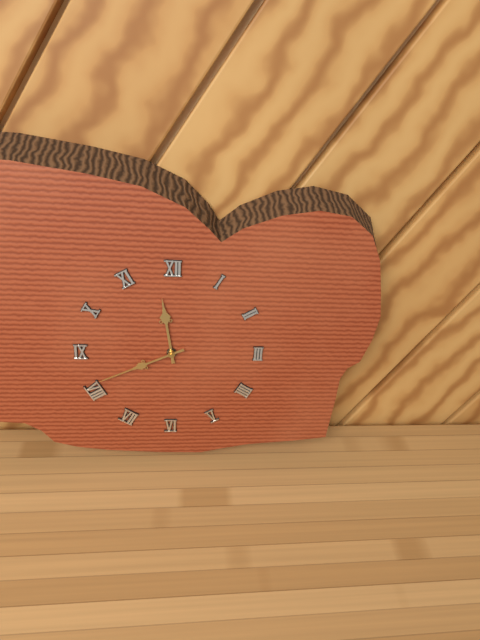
11:41
